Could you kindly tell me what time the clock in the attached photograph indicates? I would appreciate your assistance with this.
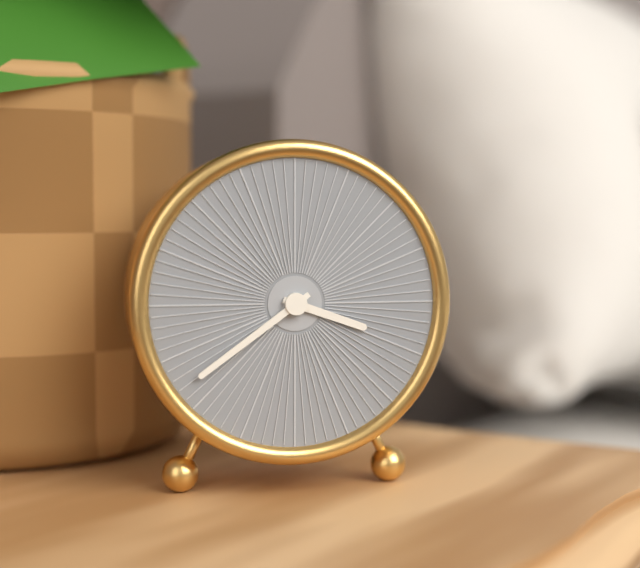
3:39
